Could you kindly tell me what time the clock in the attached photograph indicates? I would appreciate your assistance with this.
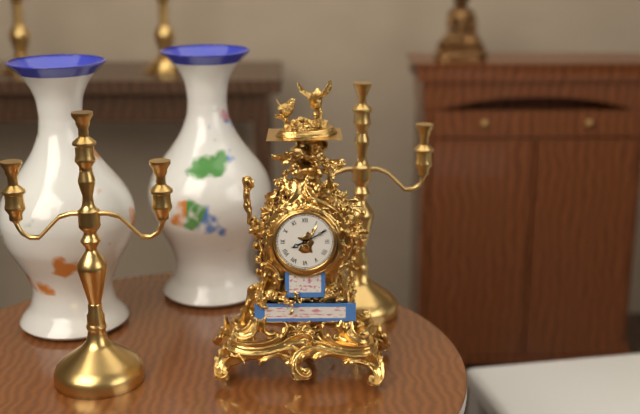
8:10
